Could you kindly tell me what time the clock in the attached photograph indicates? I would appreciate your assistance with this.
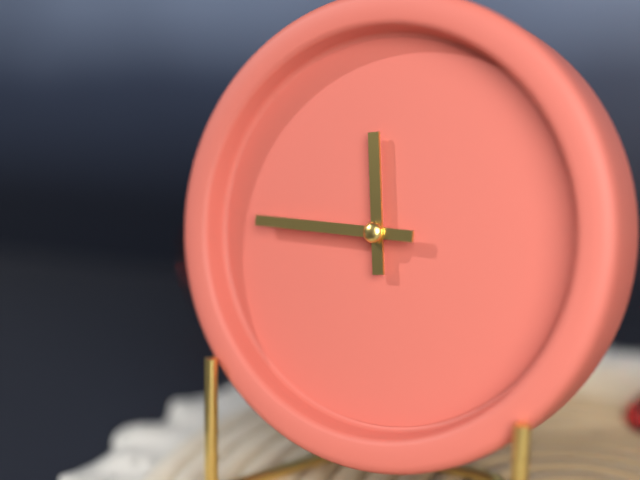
11:45
